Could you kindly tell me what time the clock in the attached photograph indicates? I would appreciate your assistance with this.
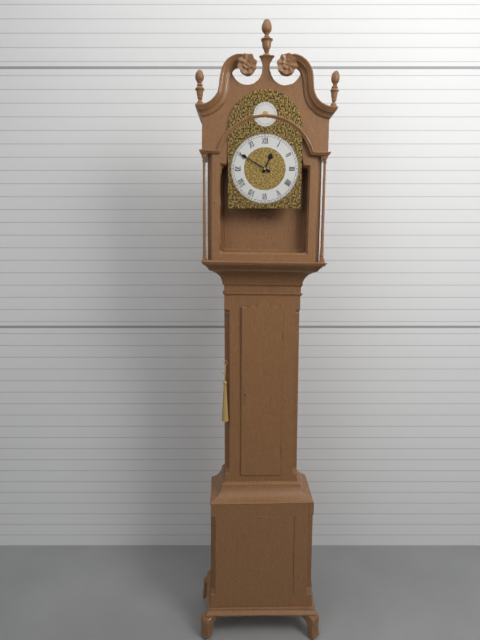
12:50
